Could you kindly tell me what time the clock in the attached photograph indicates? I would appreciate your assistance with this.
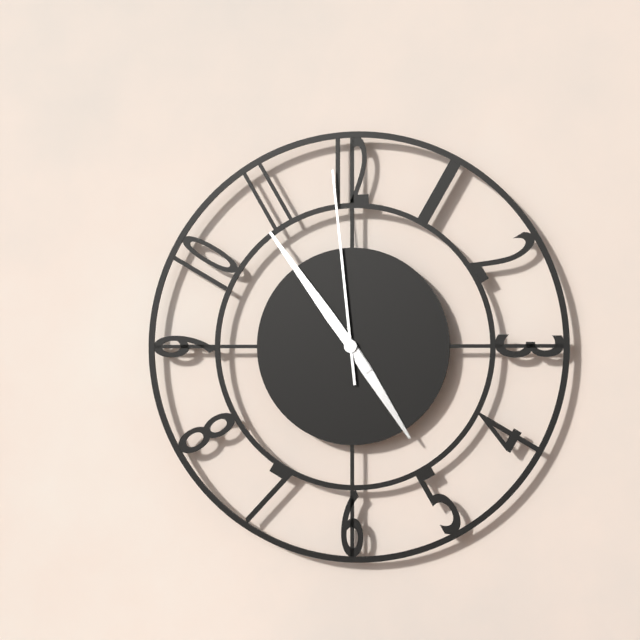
4:54:59
